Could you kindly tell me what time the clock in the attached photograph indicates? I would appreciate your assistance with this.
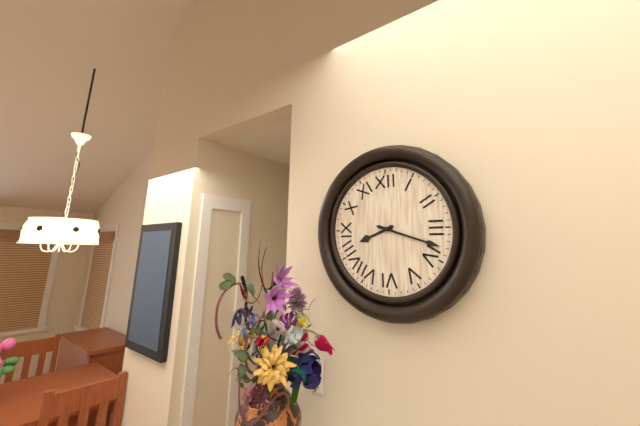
8:18
